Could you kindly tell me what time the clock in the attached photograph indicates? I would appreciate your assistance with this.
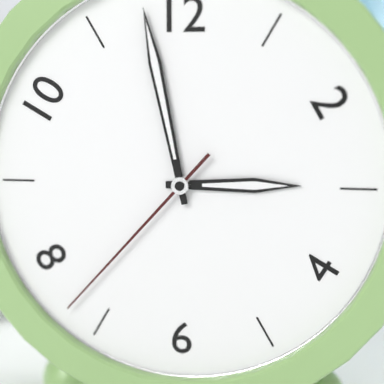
2:58:37
